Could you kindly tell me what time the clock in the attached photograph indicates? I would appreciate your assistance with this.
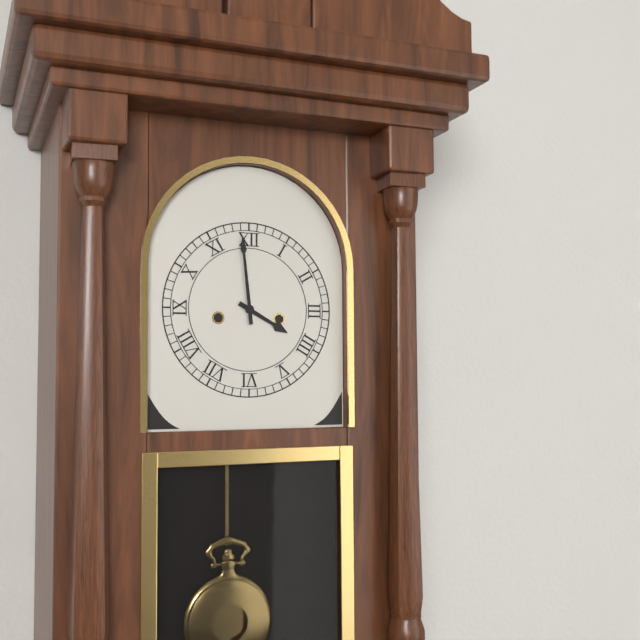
3:59
